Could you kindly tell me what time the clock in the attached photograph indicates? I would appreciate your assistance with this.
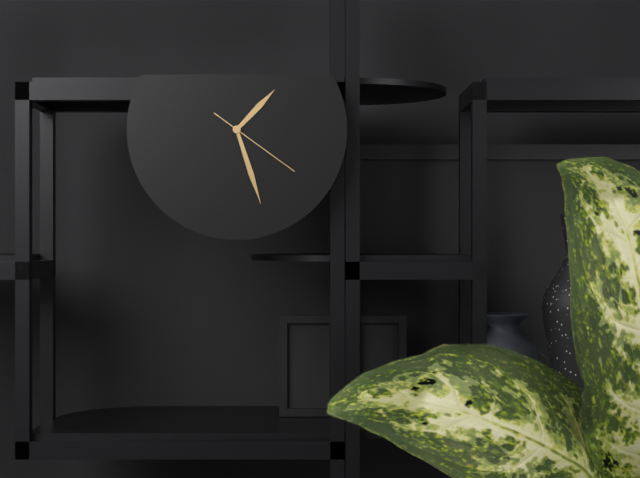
1:27:21
